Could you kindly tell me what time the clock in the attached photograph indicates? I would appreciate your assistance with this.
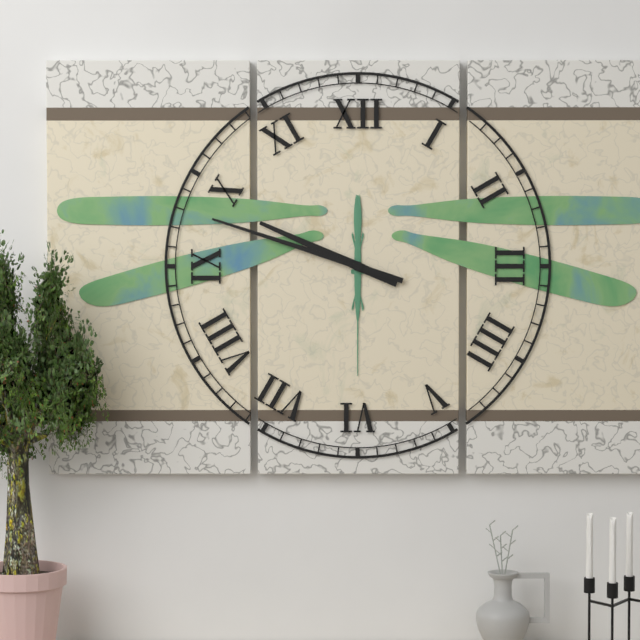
9:48
